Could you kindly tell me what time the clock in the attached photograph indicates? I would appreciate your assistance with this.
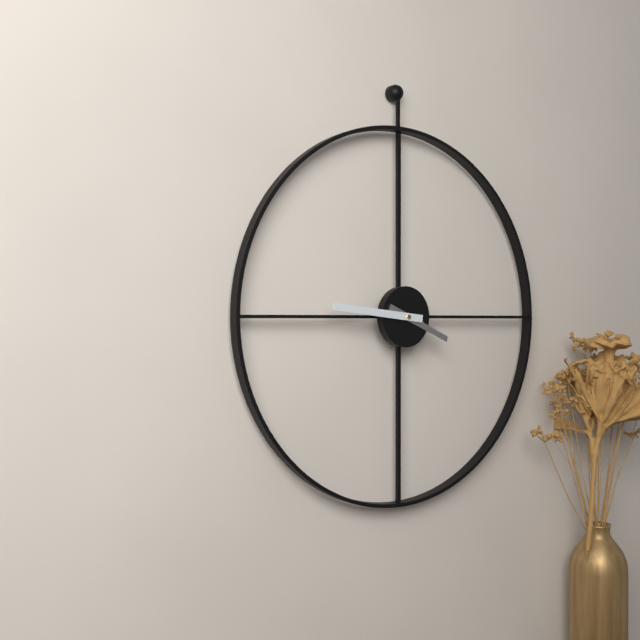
3:46
